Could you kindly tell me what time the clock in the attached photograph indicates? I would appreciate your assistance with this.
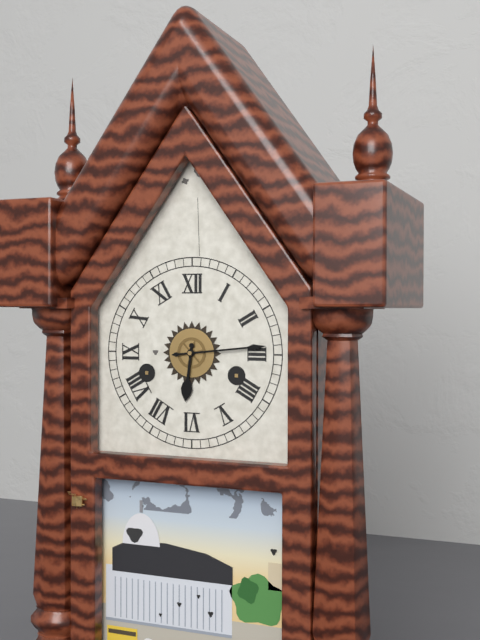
6:14
